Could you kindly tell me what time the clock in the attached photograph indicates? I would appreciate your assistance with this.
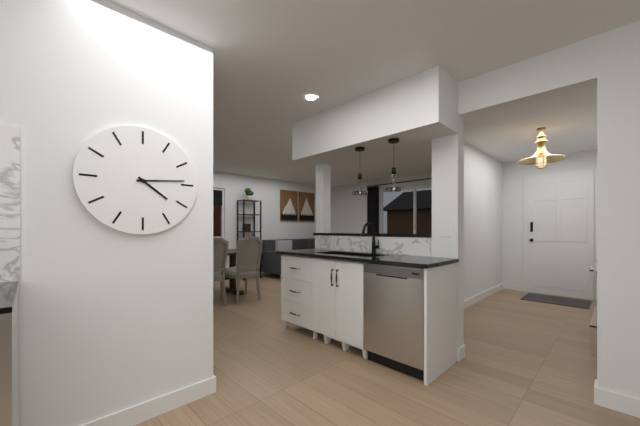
4:14
